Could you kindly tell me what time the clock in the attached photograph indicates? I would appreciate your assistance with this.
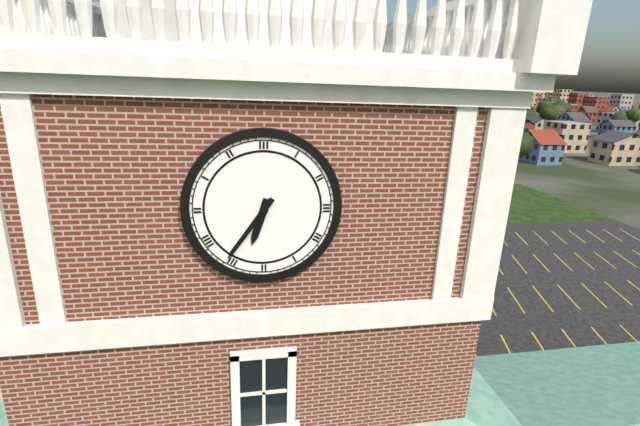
6:36
